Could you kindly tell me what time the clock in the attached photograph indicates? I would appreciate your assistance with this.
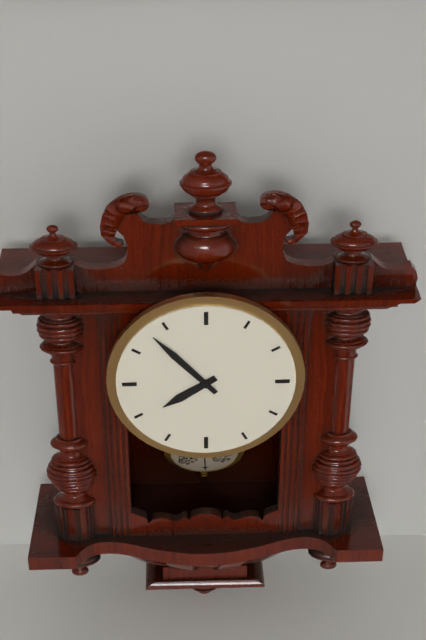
7:53
